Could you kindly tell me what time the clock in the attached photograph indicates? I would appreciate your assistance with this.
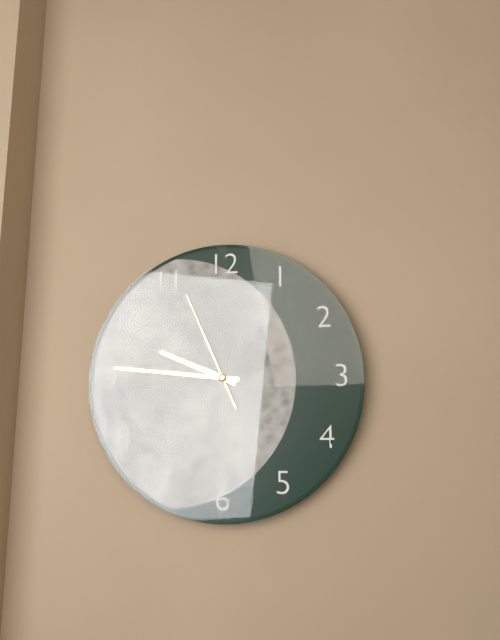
9:46:56
